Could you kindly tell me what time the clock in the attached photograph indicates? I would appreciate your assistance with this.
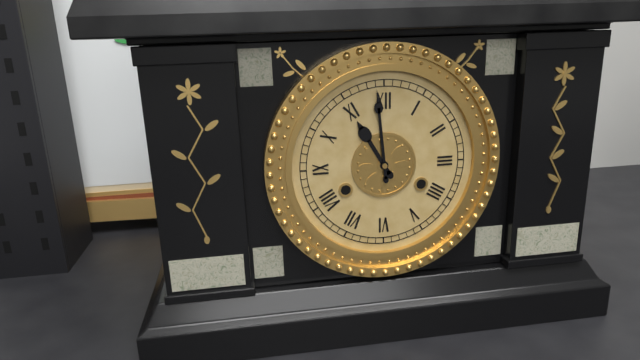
10:59
